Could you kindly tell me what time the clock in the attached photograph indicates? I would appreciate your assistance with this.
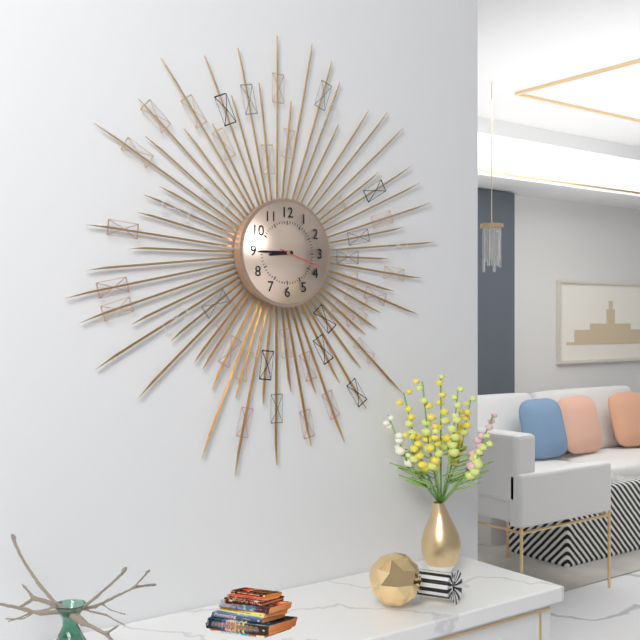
8:45
